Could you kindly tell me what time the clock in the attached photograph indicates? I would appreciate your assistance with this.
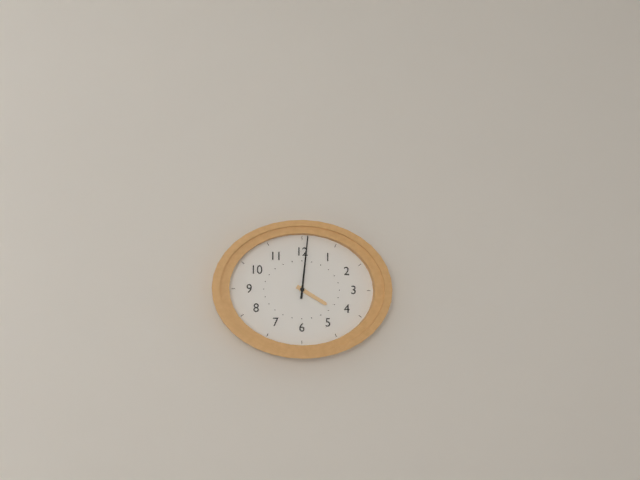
4:01
